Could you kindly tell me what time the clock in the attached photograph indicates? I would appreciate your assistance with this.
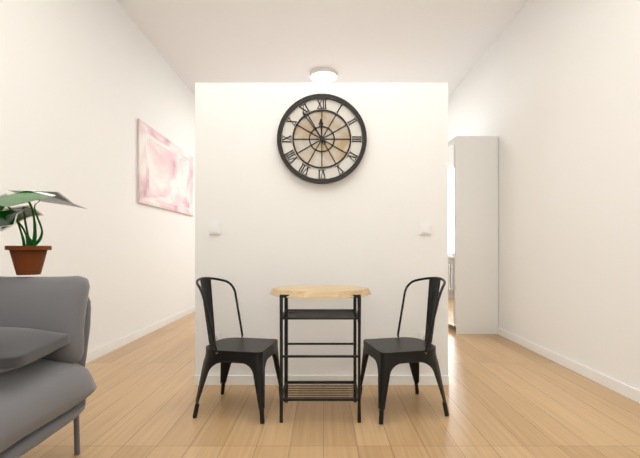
11:54
